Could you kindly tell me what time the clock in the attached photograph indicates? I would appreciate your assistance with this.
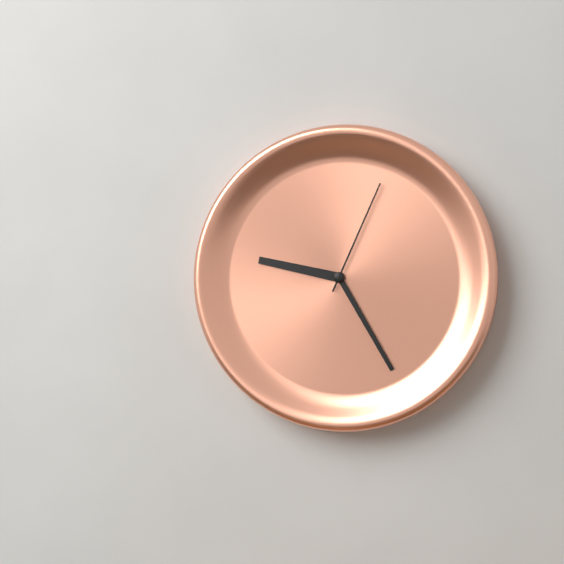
9:25:04
